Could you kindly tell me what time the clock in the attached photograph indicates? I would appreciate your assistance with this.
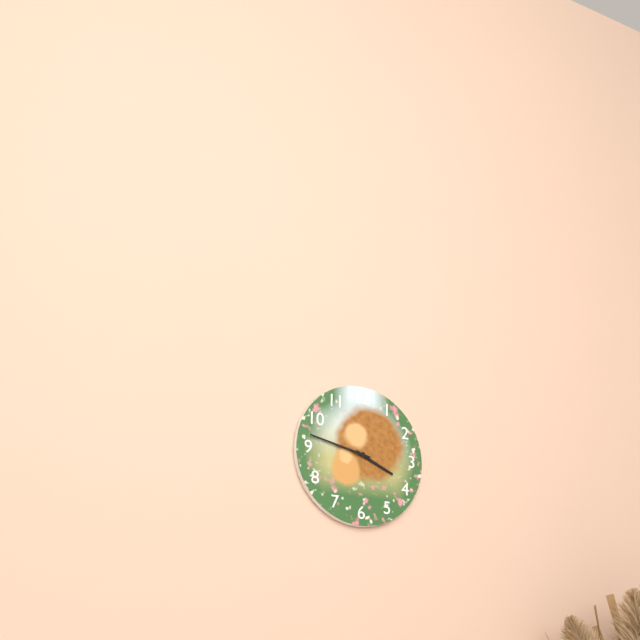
3:47
